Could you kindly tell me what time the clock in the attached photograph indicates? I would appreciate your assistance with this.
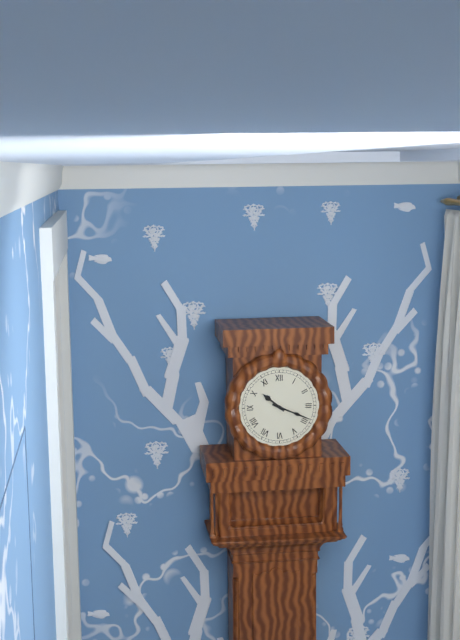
10:19
